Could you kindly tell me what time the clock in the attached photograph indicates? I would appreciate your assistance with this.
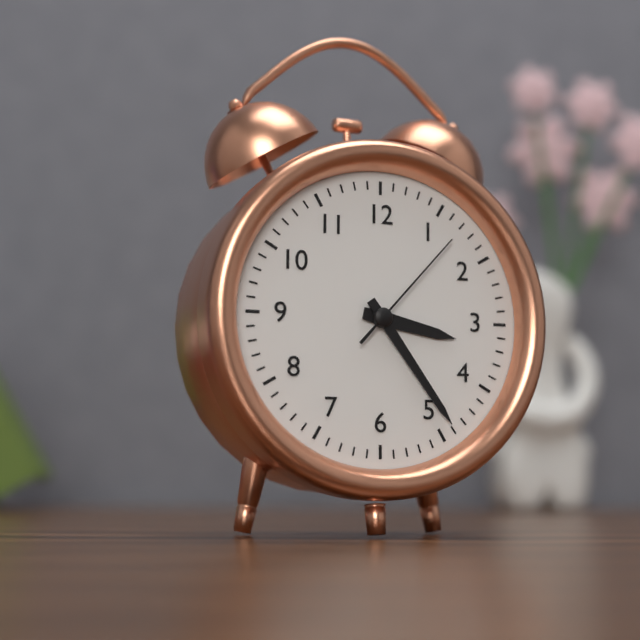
3:24:07
